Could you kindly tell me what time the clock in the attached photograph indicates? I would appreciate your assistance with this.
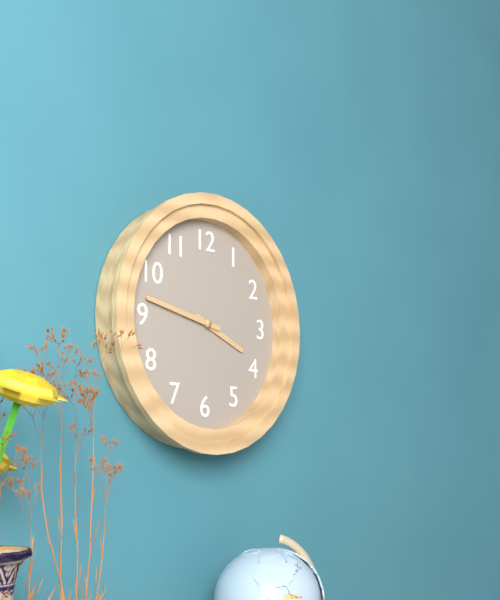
3:47
